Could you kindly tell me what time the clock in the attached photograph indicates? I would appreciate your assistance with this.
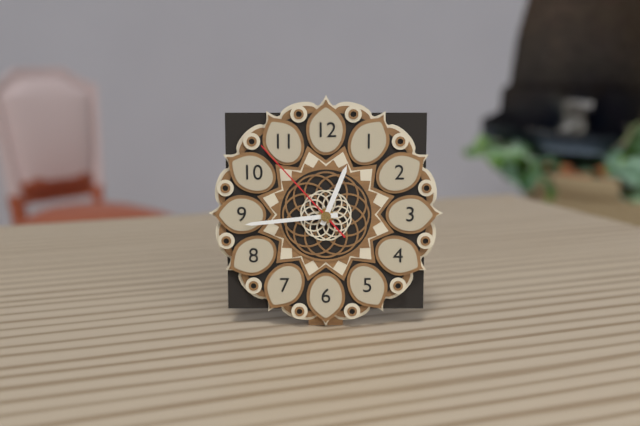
12:44:53
